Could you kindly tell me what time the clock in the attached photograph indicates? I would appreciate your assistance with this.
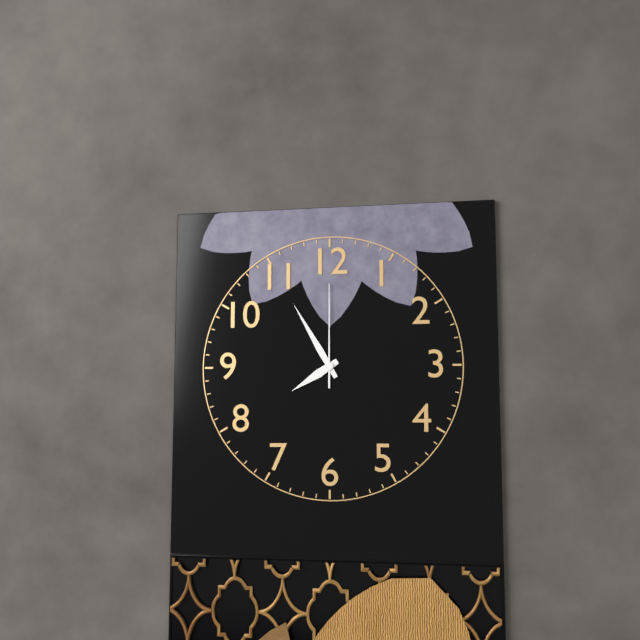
7:55:00
